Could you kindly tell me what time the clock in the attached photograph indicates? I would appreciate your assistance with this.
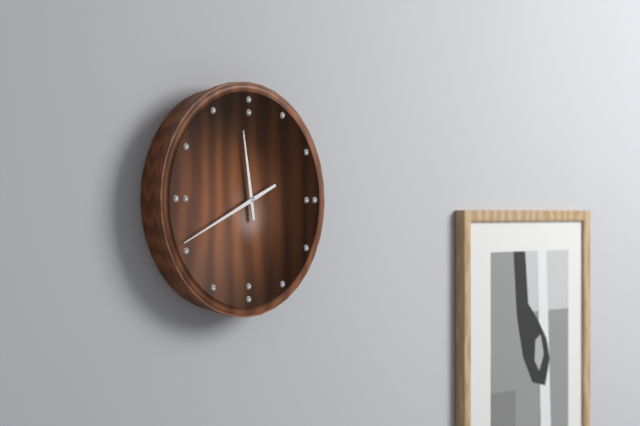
11:41
